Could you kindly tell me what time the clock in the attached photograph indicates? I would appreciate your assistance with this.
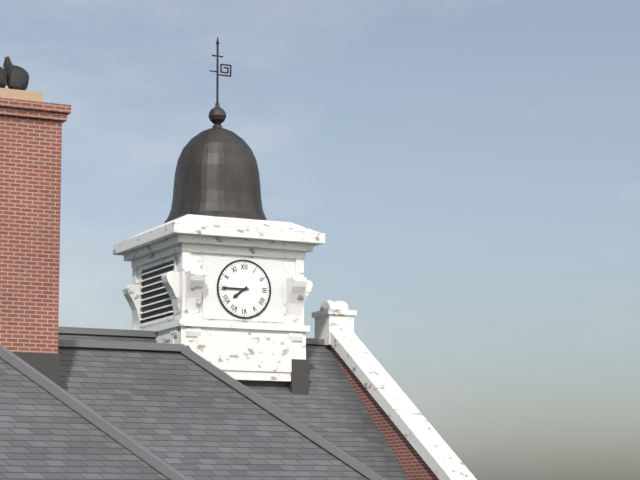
7:45
